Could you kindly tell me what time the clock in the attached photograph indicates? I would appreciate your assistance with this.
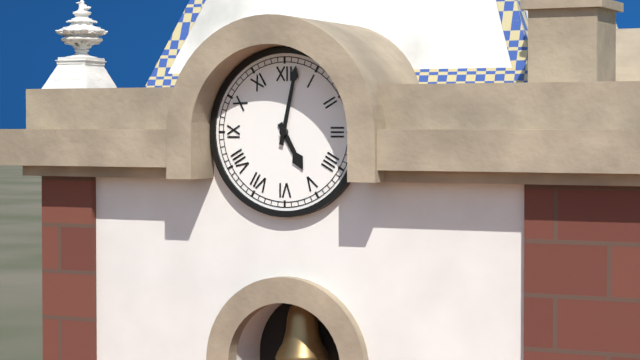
5:02
